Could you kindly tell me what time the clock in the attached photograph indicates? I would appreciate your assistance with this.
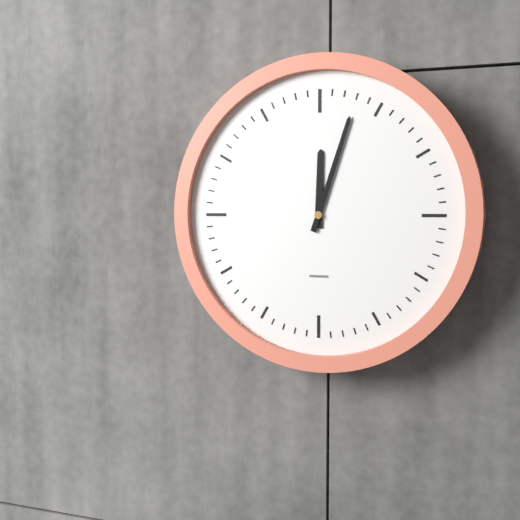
12:03
